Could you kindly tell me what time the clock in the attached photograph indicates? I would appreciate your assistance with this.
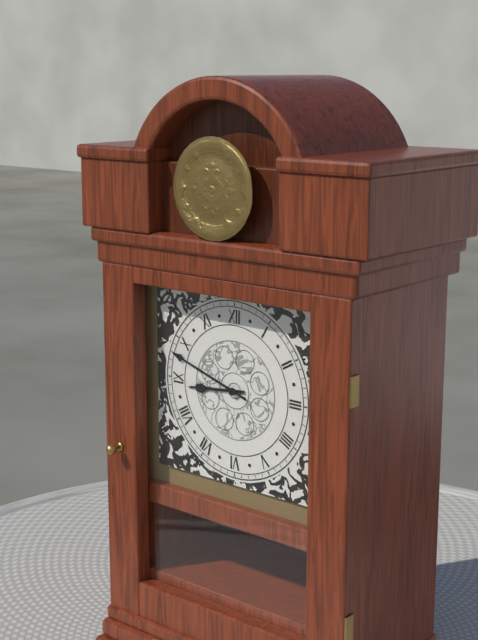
8:48
